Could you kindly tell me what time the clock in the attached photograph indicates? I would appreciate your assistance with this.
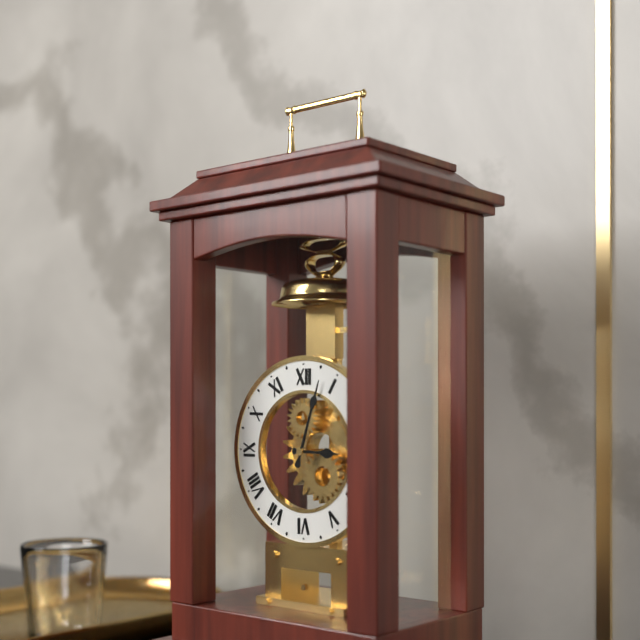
3:03
